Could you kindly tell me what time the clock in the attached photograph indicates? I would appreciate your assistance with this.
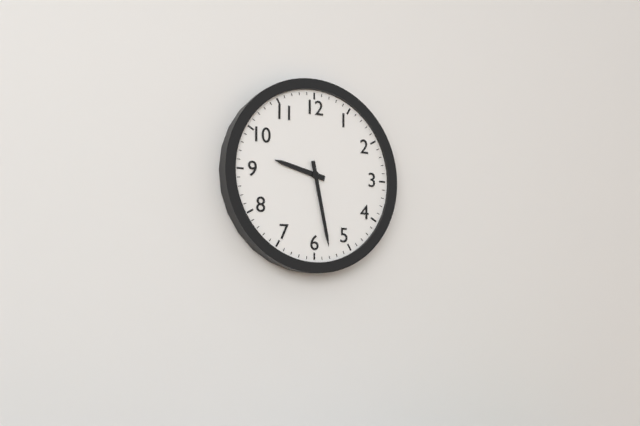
9:28
